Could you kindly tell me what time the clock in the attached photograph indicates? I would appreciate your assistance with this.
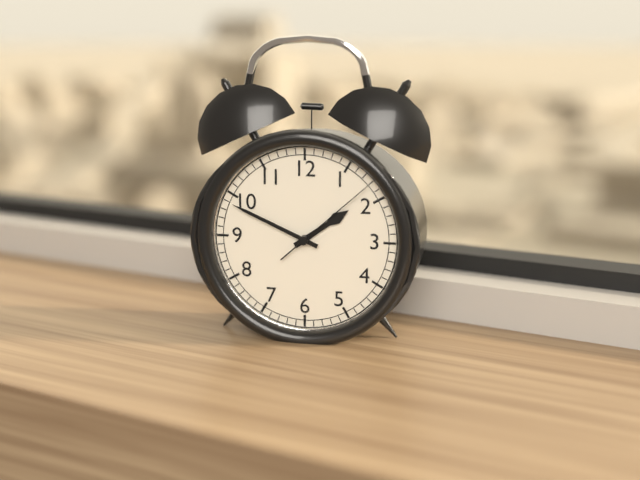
1:49:08
